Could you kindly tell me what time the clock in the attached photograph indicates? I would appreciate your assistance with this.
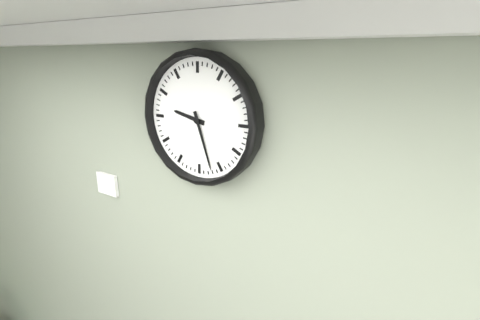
9:27
